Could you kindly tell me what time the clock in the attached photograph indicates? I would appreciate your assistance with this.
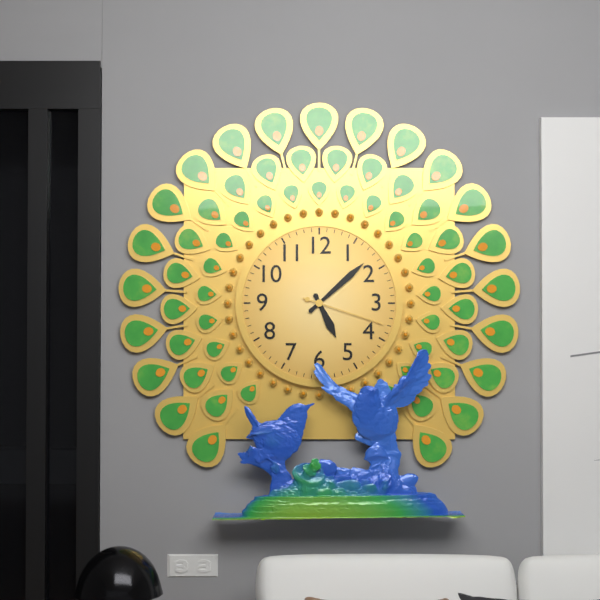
5:08:18
